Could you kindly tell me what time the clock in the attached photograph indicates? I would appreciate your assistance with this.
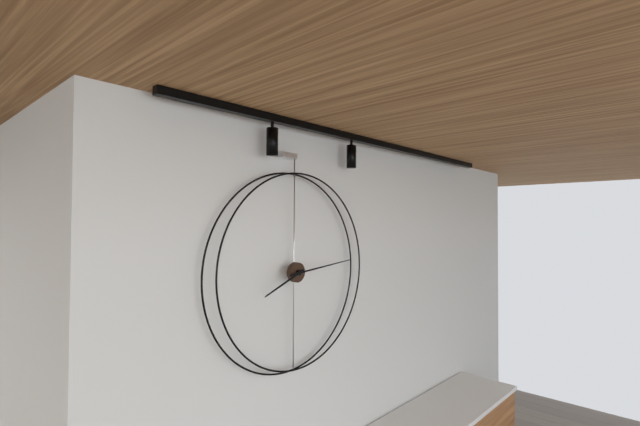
8:14
